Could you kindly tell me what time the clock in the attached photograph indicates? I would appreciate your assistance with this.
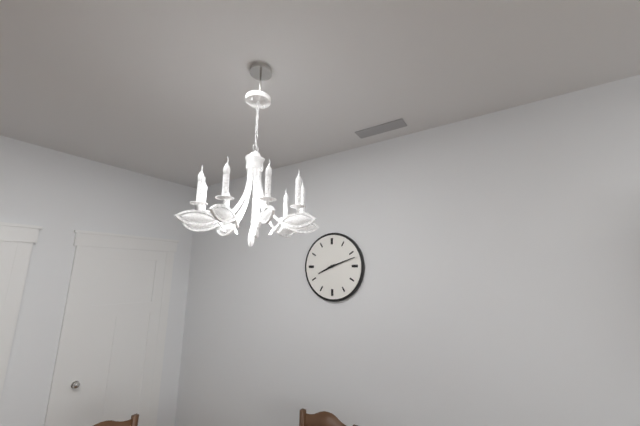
8:12
